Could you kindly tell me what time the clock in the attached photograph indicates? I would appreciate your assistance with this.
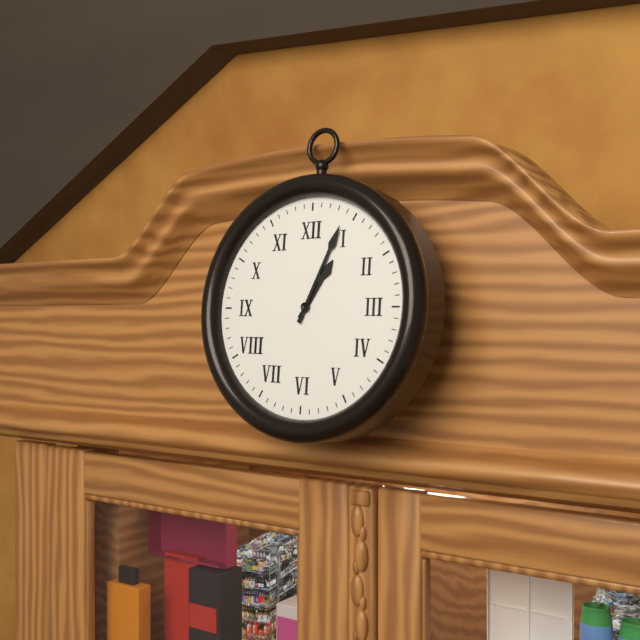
1:04
